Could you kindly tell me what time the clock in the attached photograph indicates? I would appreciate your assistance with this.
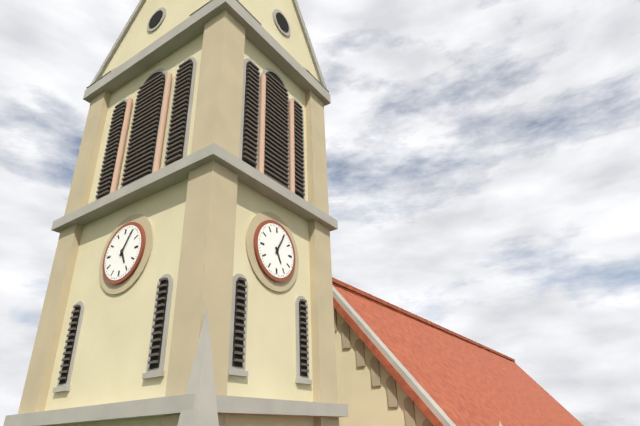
5:05
